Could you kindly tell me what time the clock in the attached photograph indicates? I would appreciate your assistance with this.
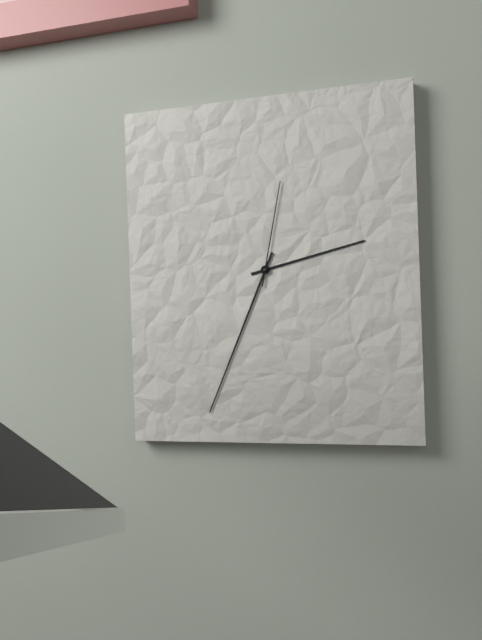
2:34:02
